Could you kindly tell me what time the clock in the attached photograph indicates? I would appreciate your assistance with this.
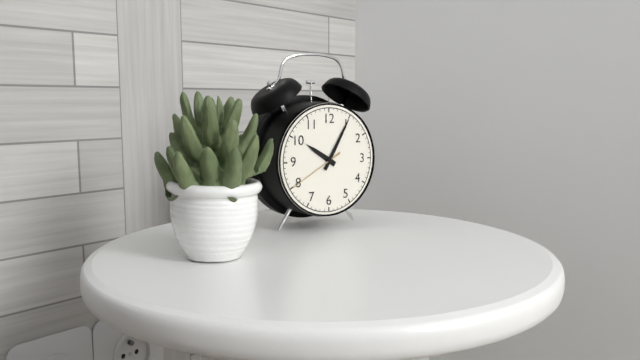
10:05:40
